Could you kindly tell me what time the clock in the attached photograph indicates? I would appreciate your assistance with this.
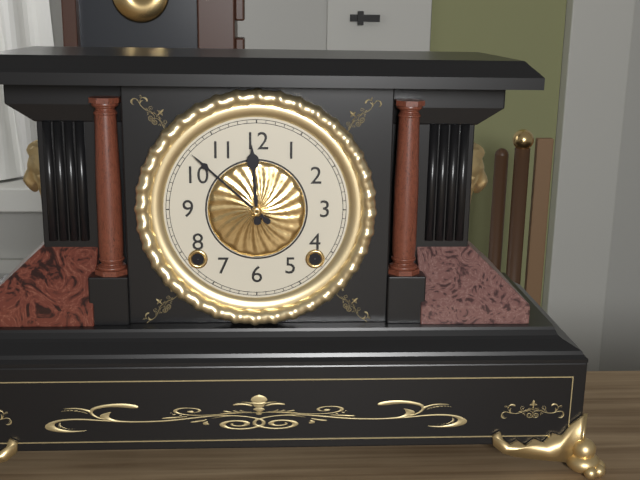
11:52
